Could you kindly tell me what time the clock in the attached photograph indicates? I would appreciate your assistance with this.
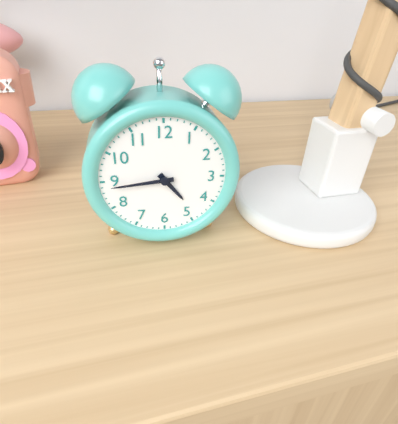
4:44
